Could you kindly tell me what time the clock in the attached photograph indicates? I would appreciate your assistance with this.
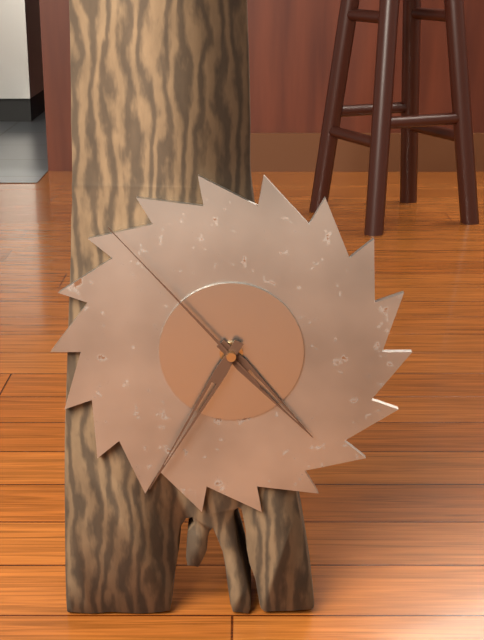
4:35:53
